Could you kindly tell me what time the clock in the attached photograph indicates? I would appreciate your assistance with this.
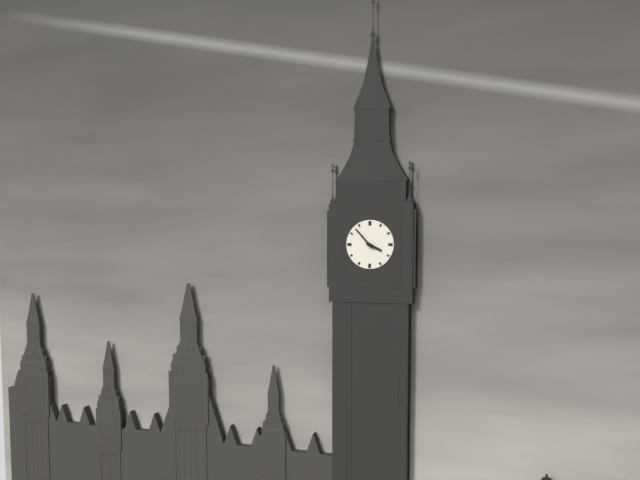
3:53
